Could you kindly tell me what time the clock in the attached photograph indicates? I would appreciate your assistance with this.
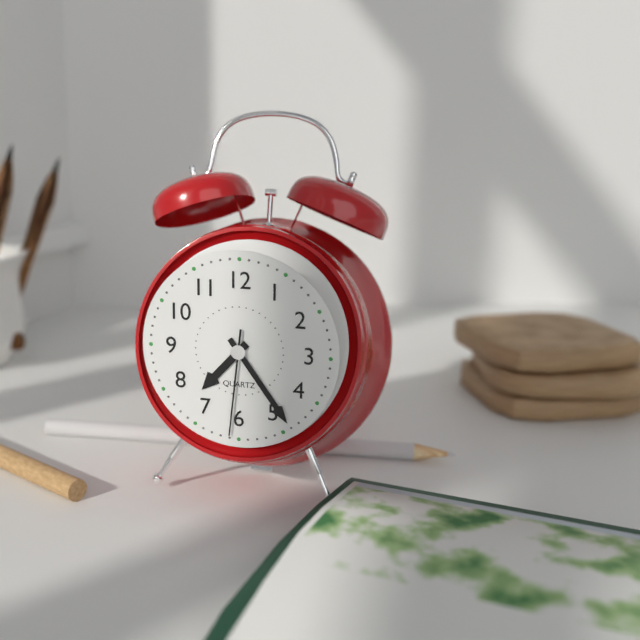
7:24:31
